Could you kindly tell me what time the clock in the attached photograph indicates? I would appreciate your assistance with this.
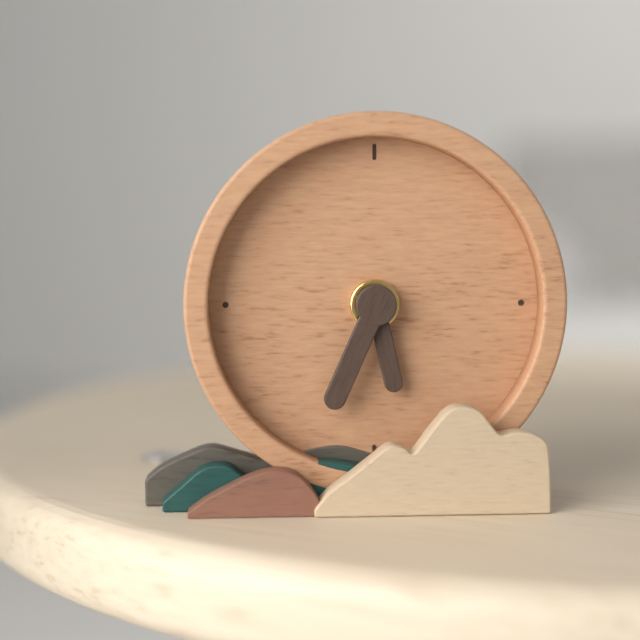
5:34
